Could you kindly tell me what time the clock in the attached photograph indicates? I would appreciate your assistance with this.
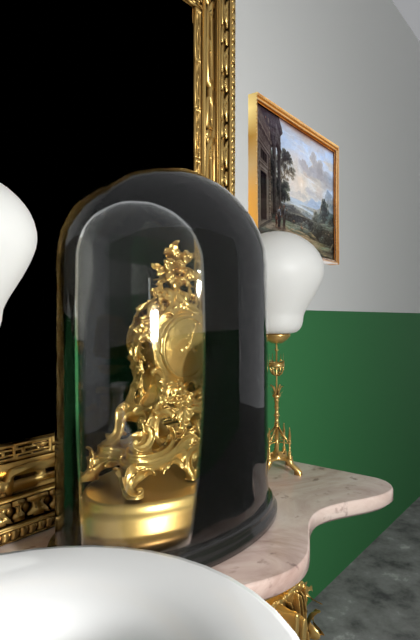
12:27
